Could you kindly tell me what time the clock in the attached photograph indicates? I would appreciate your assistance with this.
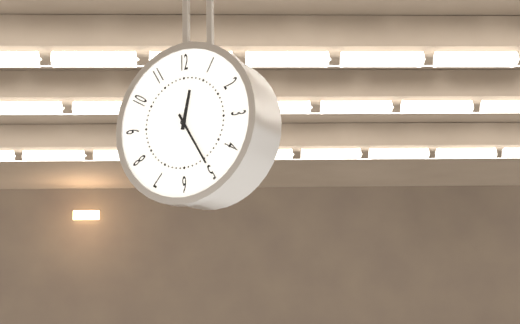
12:25
